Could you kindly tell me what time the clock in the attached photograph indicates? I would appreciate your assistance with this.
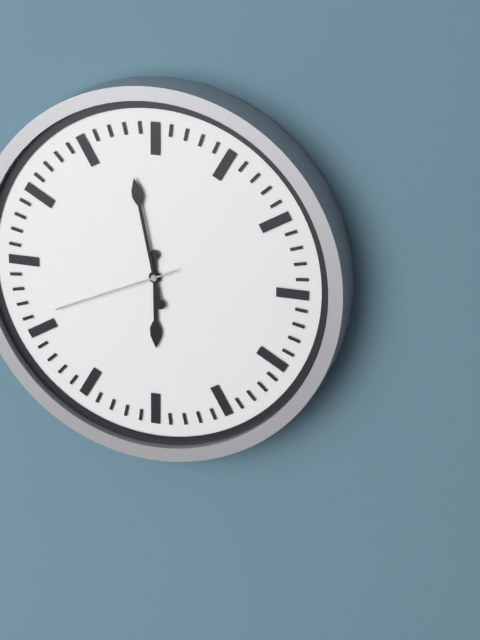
5:58:41
